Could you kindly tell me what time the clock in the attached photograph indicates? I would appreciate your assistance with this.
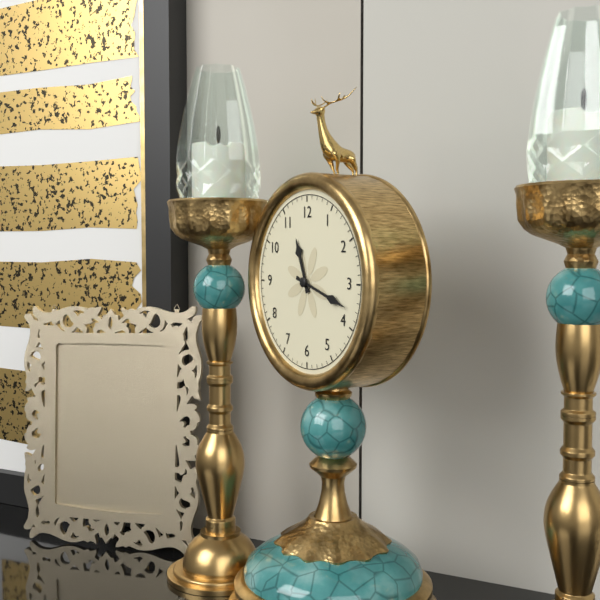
11:18
